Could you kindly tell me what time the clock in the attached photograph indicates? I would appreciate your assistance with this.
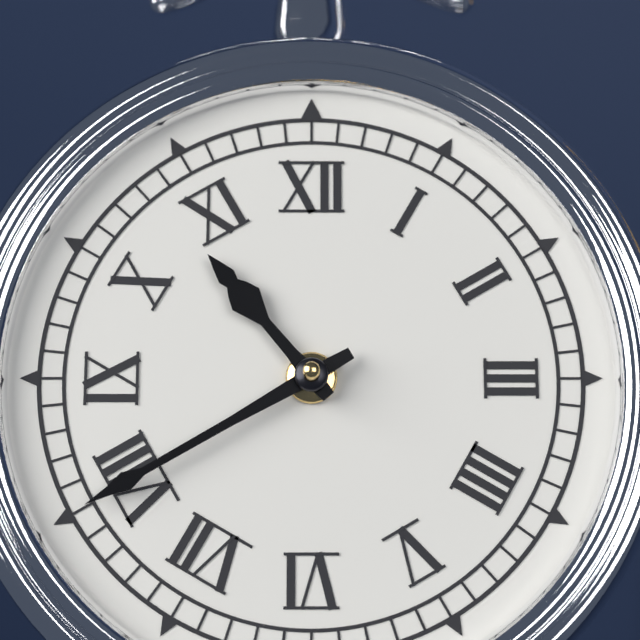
10:40
